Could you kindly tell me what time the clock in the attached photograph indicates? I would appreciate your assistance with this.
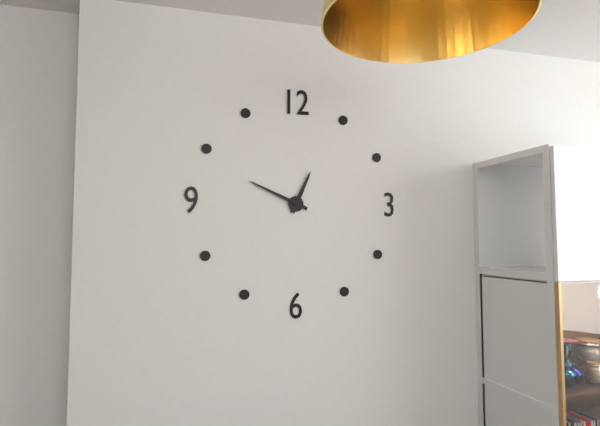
12:49
